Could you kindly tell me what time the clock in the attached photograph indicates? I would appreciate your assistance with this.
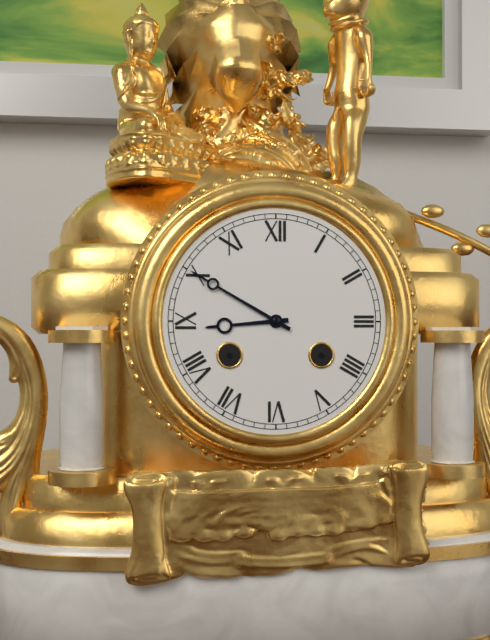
8:50
